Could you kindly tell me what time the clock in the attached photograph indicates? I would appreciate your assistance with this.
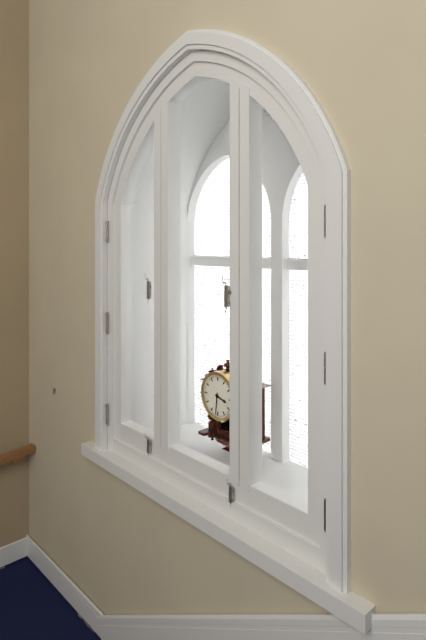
3:31
